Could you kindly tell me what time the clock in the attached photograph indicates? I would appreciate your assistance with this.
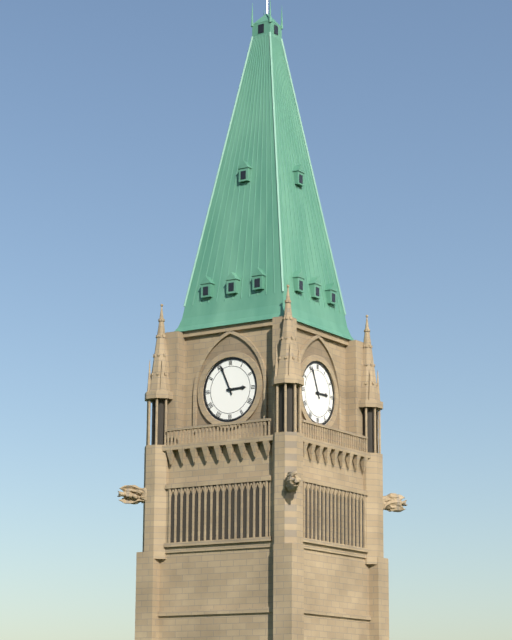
2:56
